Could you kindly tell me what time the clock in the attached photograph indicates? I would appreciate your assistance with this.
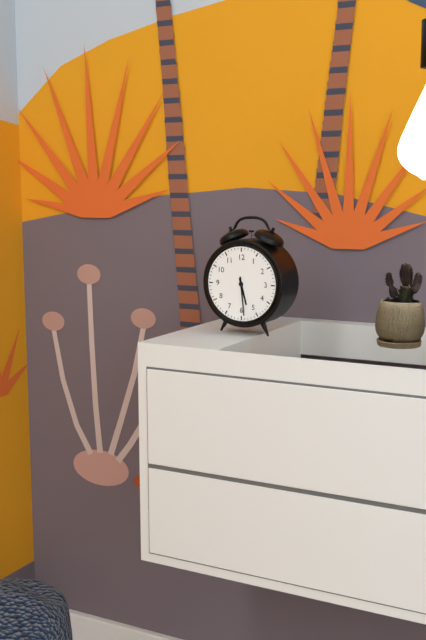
5:29
